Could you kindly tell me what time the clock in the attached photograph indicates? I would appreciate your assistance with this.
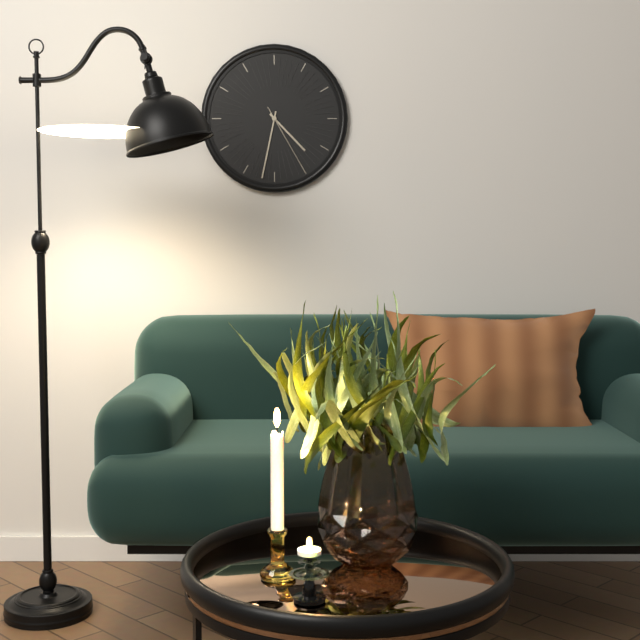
4:32:25
